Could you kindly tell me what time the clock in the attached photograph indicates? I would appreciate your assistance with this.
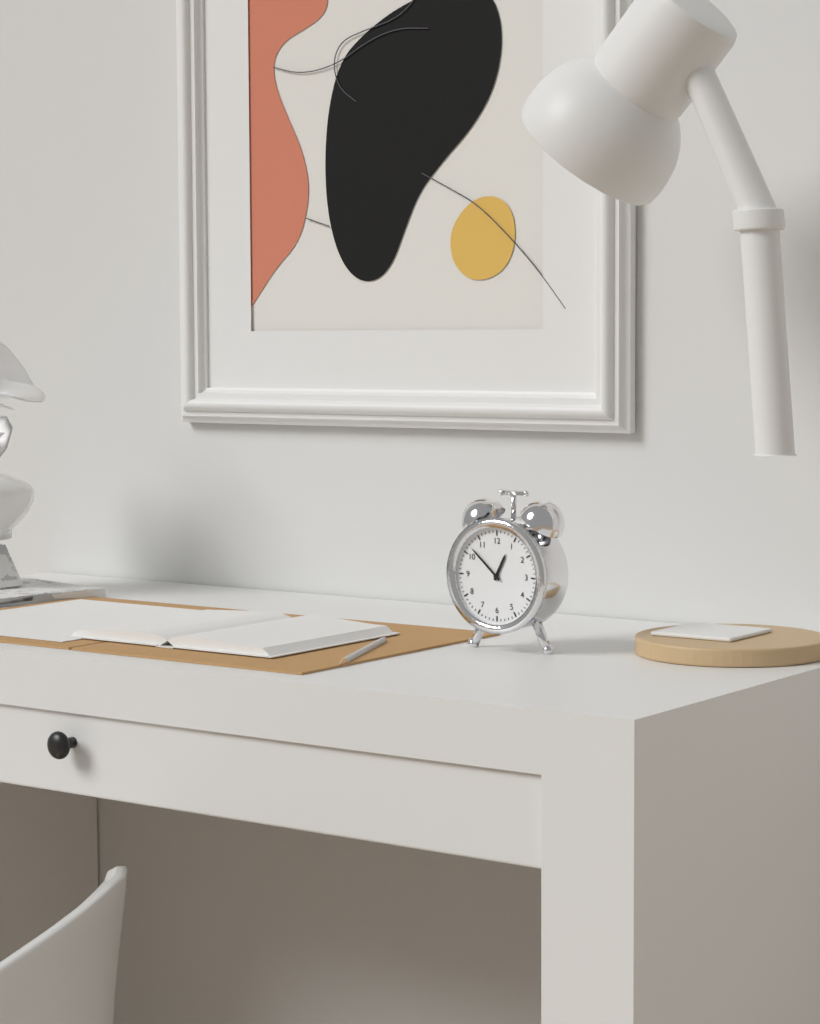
12:52
